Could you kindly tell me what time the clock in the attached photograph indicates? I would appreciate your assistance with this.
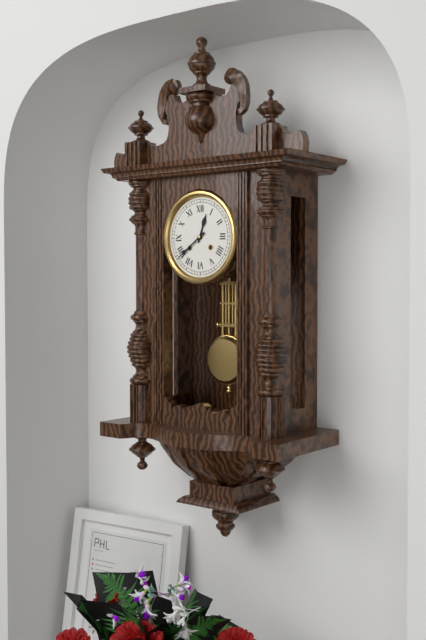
12:39
